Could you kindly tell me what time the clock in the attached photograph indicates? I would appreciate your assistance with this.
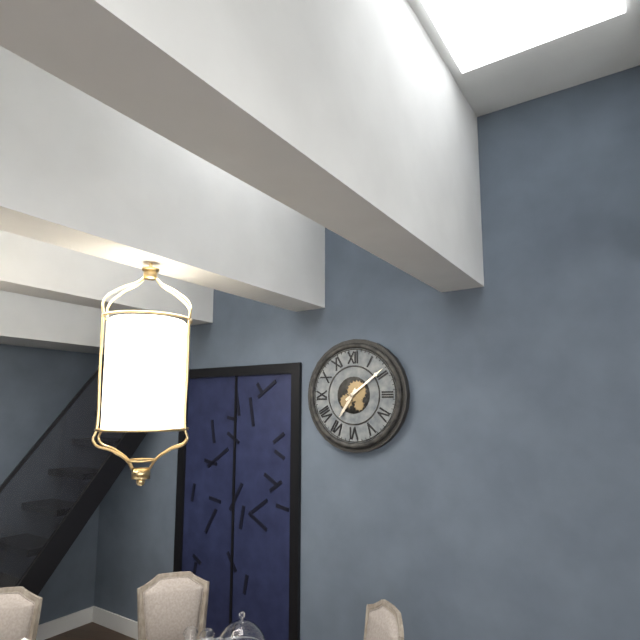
7:09
